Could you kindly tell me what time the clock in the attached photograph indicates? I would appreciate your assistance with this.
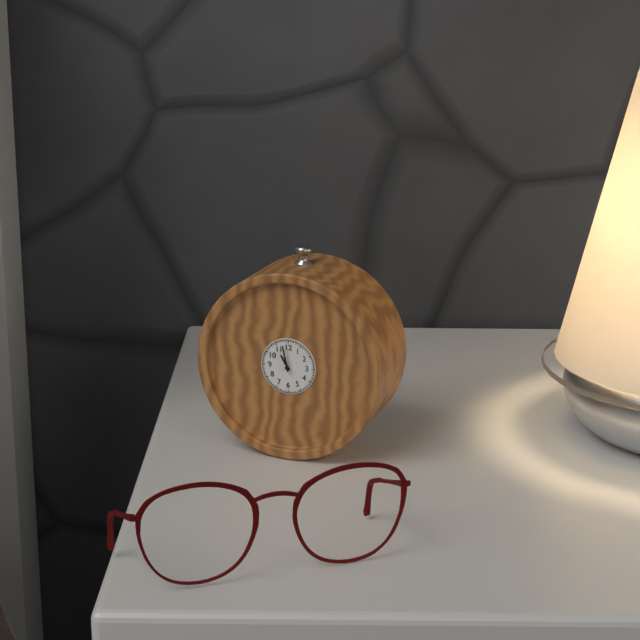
10:58
